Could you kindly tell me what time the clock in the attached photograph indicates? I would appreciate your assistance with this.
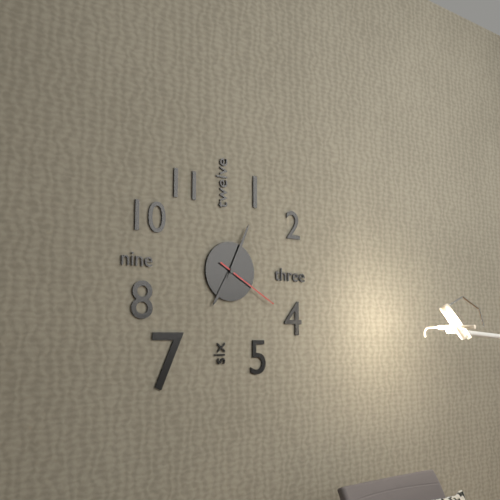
7:04:20
